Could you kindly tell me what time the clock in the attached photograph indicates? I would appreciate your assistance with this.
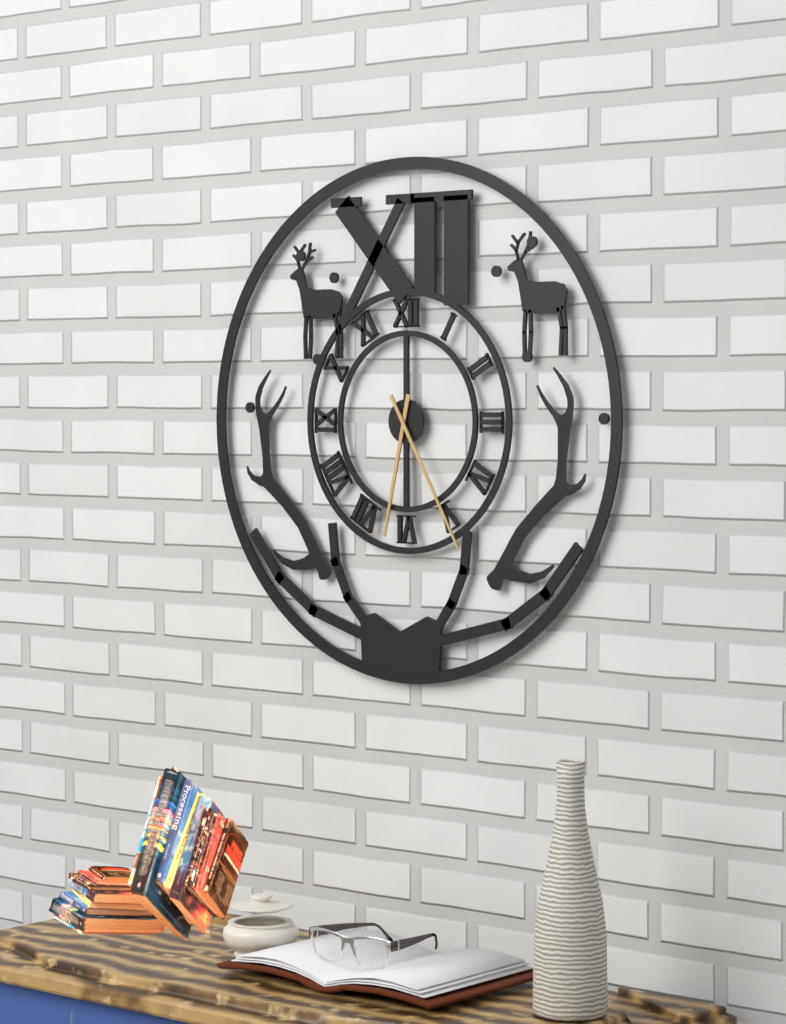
6:25
